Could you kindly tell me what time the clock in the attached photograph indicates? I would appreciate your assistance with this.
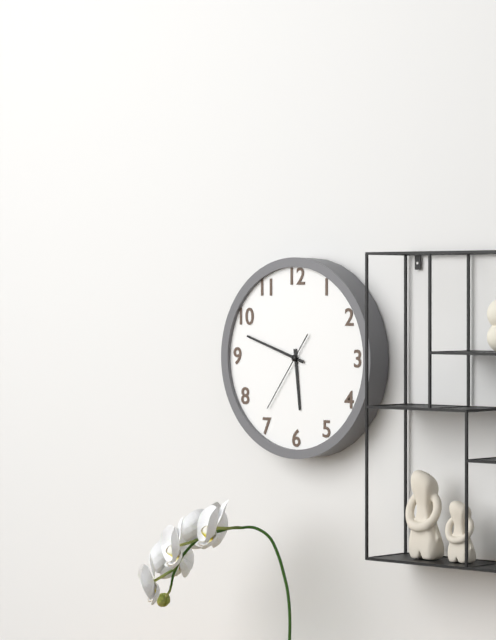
5:48:36
